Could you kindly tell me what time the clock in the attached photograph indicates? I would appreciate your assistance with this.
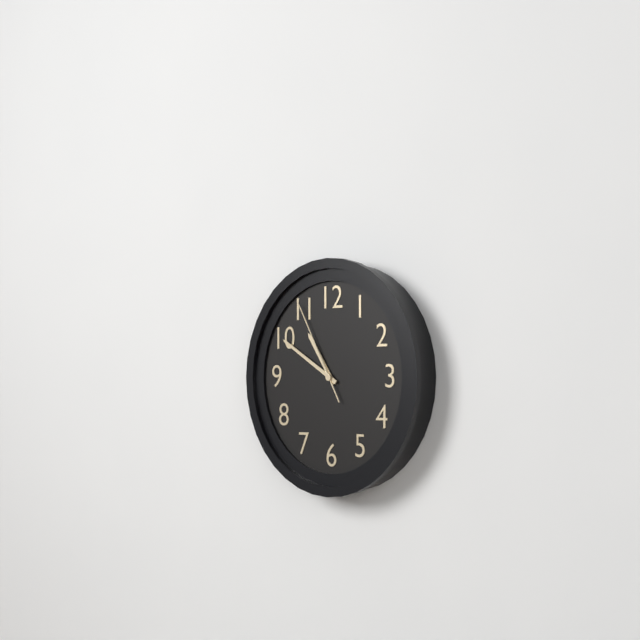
10:50:55
